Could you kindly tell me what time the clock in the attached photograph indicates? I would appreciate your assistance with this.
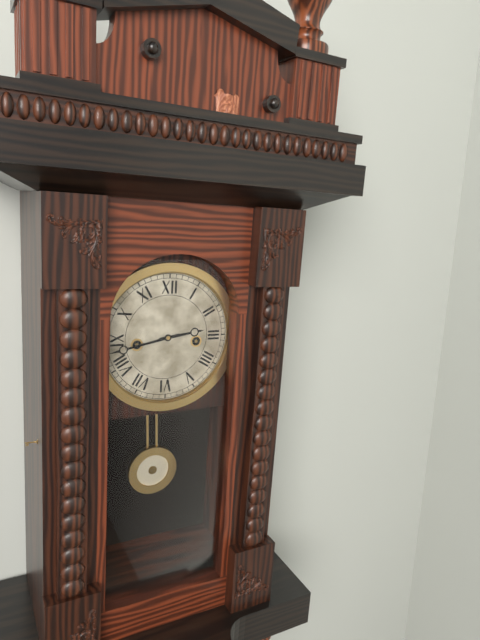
2:43
